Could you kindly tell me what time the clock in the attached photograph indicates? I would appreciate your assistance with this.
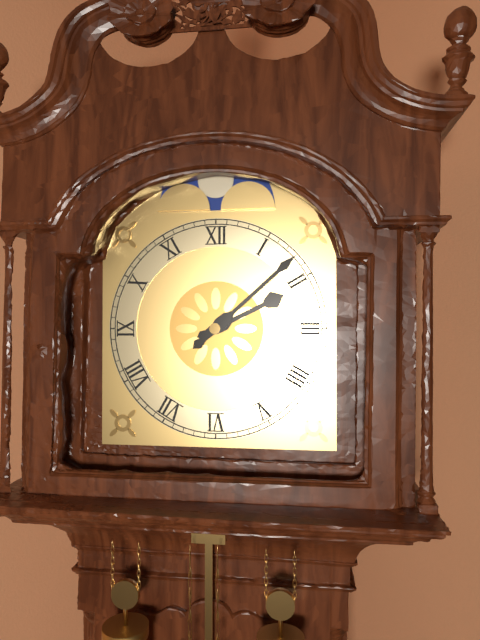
2:08
